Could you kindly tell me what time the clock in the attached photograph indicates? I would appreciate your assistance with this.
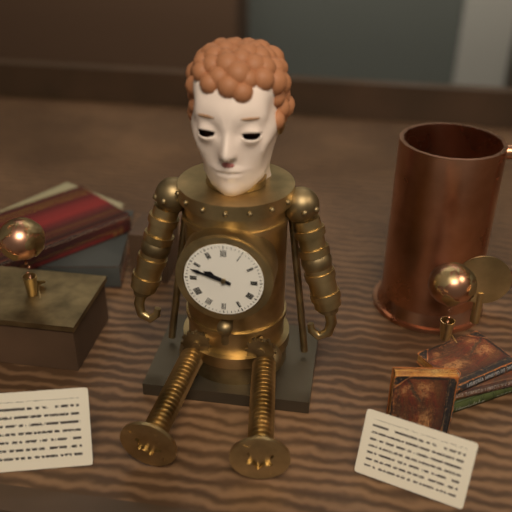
9:48
